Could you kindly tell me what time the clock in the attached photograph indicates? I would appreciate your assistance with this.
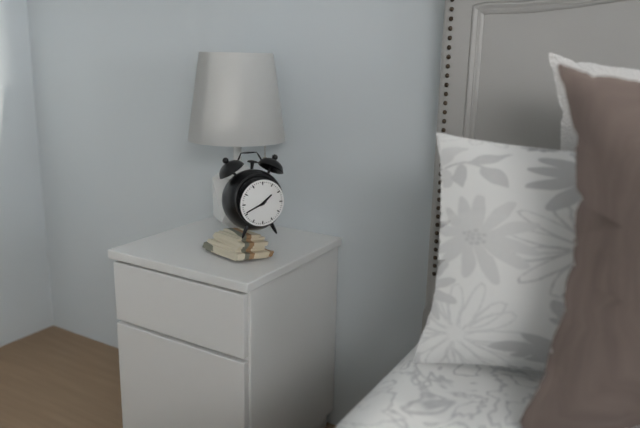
1:41
